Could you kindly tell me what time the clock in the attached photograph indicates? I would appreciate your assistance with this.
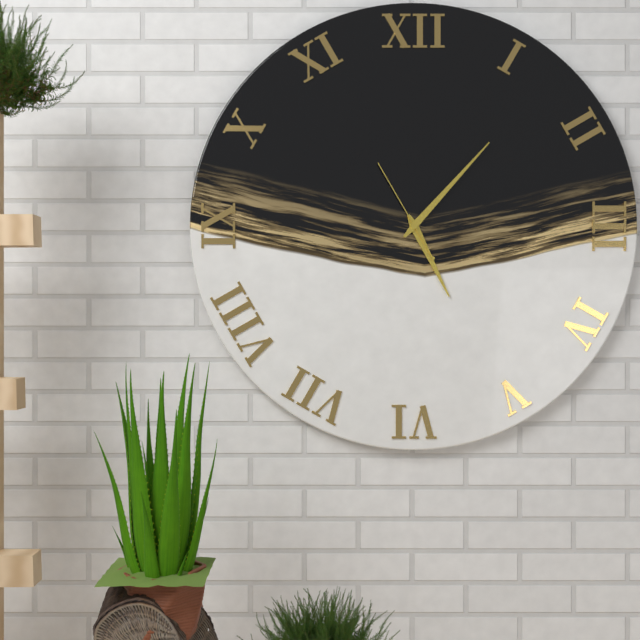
5:07:55
